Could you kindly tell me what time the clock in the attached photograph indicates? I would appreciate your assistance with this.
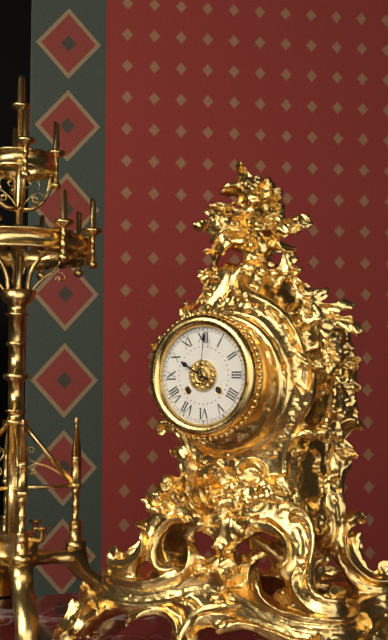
10:01
